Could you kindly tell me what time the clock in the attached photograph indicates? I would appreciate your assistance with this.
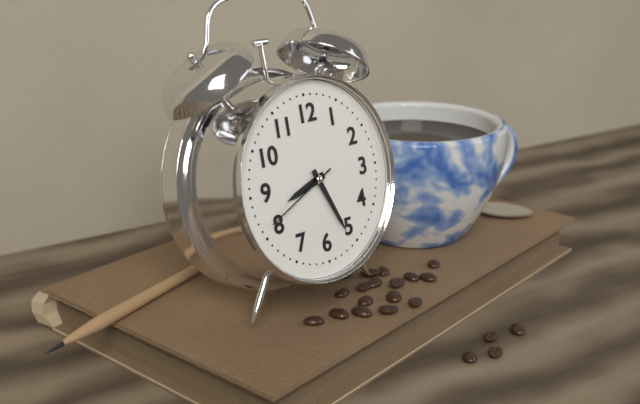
8:26:41
